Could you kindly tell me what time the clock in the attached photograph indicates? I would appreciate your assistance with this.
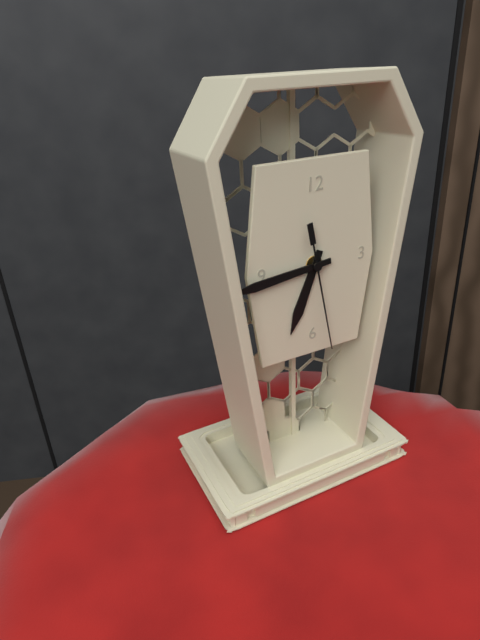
6:44:28
